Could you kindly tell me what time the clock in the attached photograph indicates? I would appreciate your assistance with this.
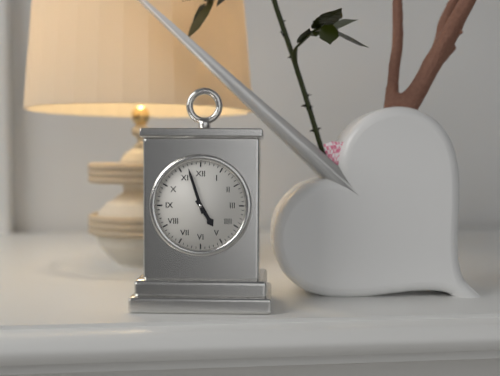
4:57
